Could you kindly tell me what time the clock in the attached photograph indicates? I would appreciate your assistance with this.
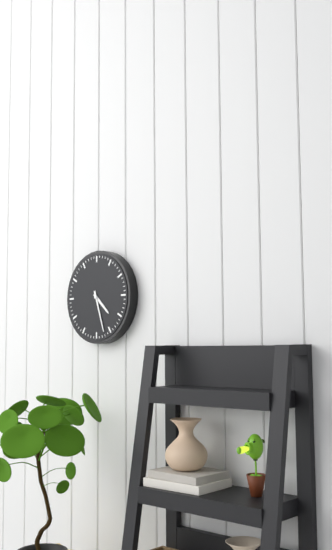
4:27
